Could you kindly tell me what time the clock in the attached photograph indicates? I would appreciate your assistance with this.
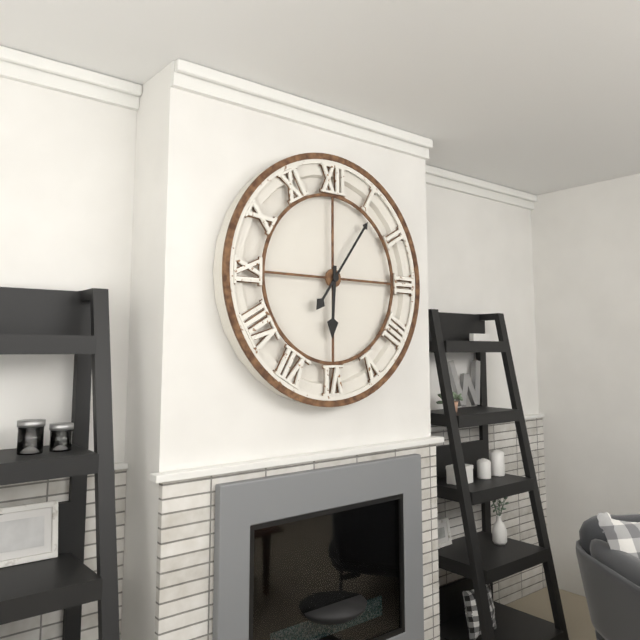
6:06
